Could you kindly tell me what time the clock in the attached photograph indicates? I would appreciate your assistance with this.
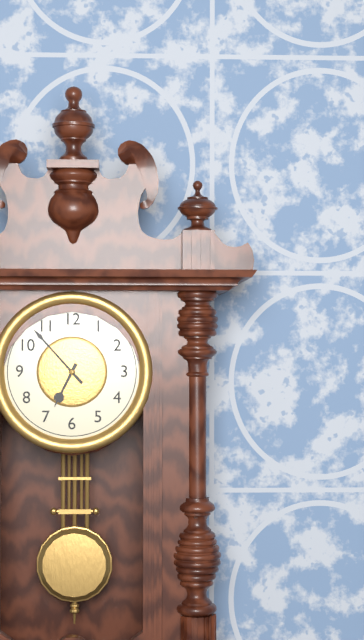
6:53
